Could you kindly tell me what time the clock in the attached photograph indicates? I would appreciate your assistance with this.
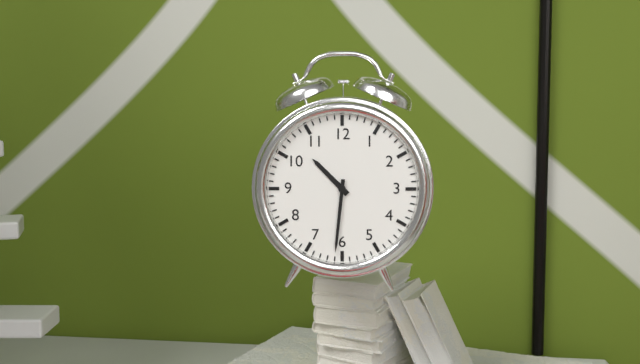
10:31
